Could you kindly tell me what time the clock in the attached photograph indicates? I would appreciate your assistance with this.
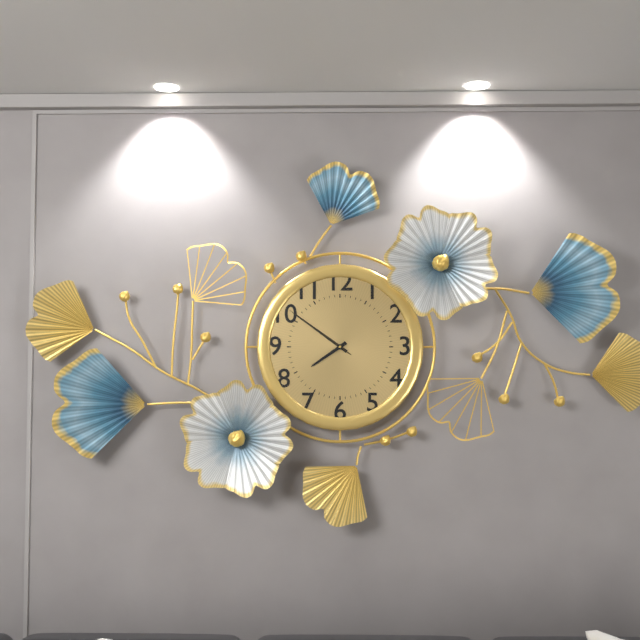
7:51:51
